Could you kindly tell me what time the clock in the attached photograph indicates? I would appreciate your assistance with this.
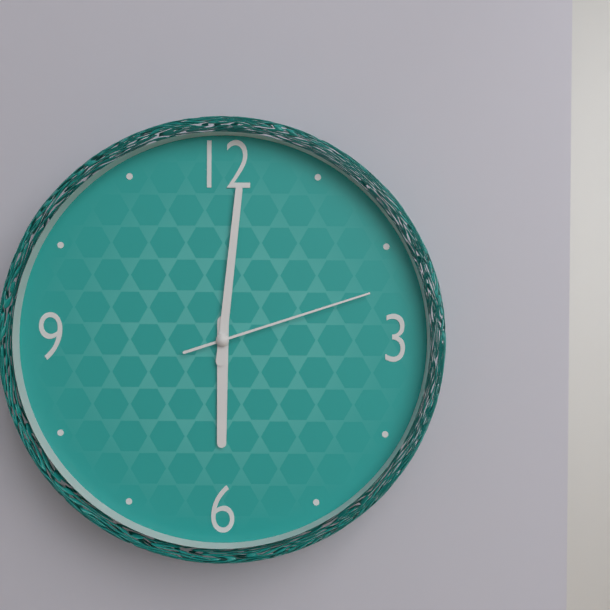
6:01:12
